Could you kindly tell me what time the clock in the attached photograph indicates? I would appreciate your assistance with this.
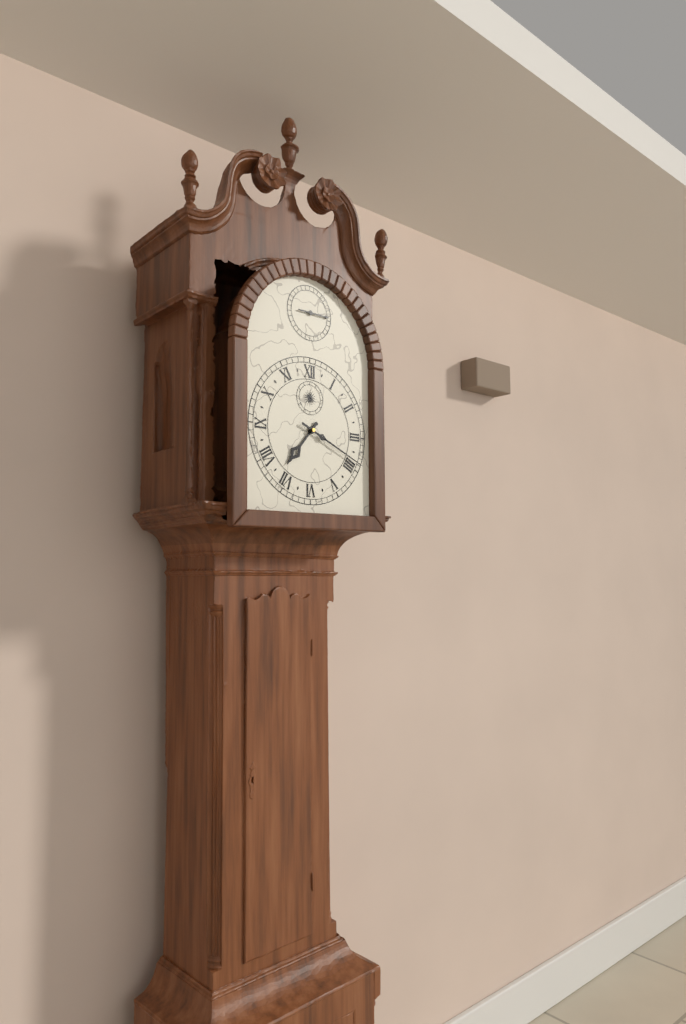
7:19
